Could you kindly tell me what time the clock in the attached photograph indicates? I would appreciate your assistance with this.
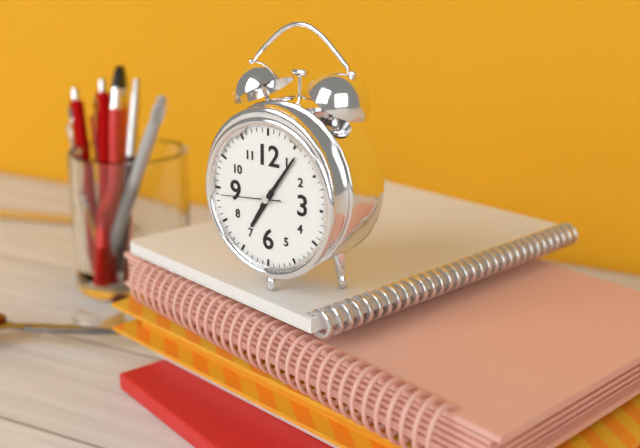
7:06:44
